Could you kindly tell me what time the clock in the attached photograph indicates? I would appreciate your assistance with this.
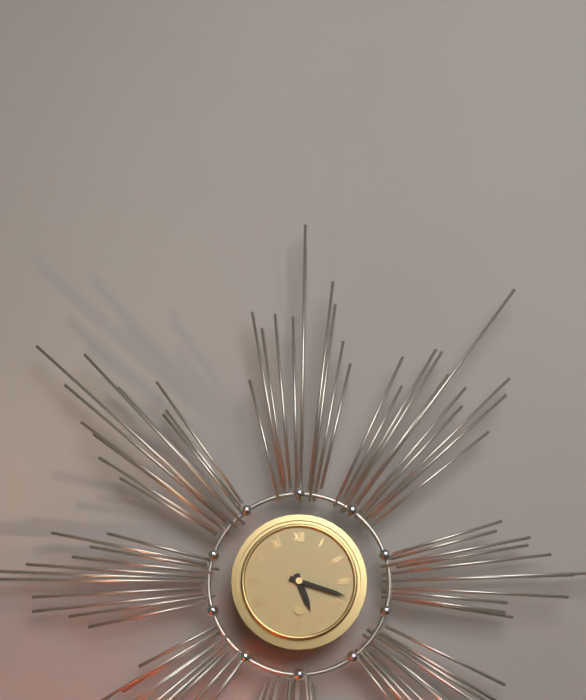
5:18
